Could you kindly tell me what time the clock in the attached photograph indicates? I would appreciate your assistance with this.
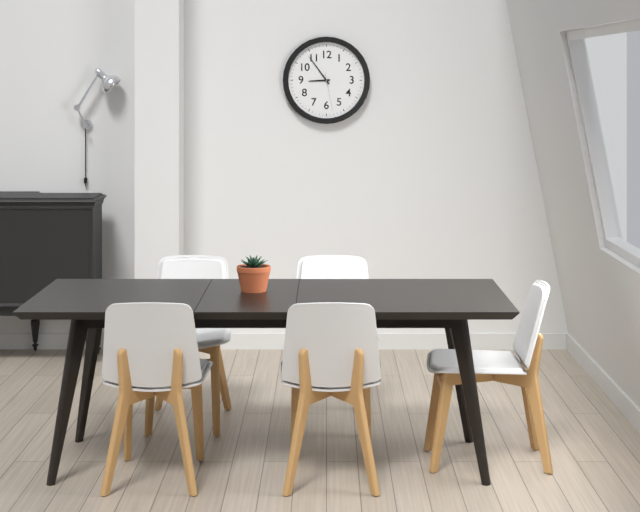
8:54
